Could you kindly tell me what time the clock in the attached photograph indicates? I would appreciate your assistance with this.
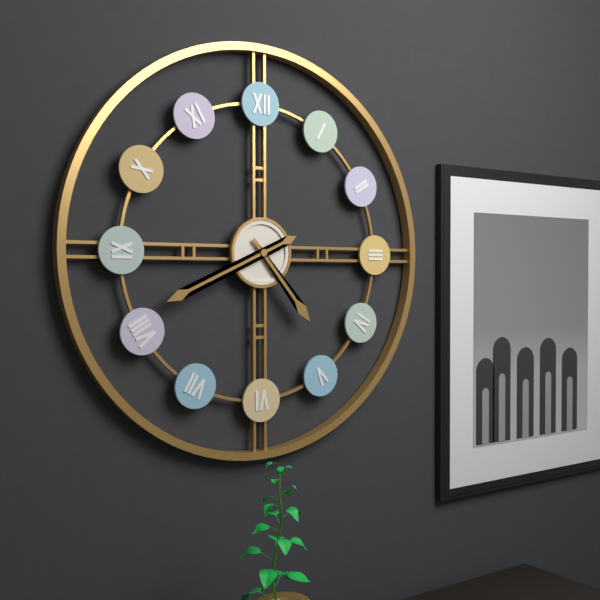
4:41
